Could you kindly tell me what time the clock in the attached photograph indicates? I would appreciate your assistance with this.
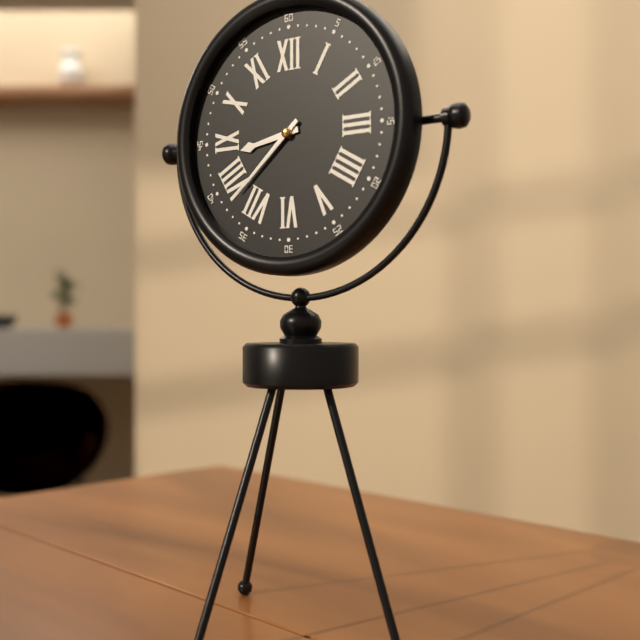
8:38
